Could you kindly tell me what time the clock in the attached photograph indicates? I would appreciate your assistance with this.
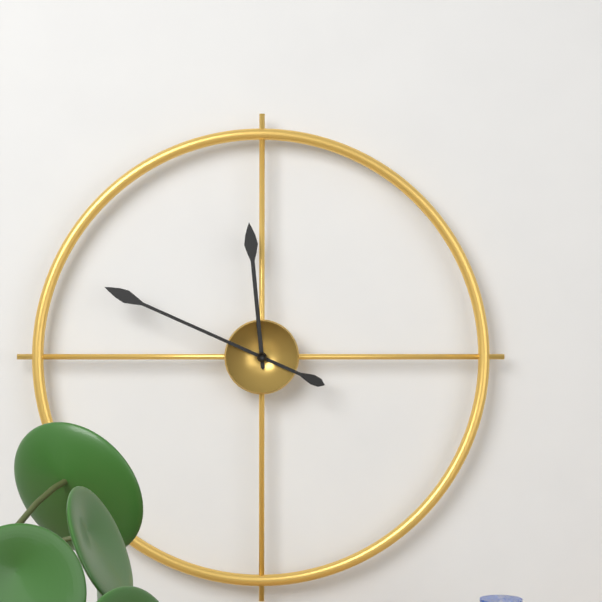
11:49
